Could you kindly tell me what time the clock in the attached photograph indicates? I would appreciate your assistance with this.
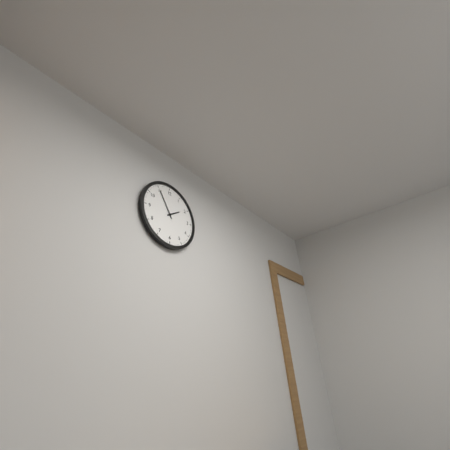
1:55
